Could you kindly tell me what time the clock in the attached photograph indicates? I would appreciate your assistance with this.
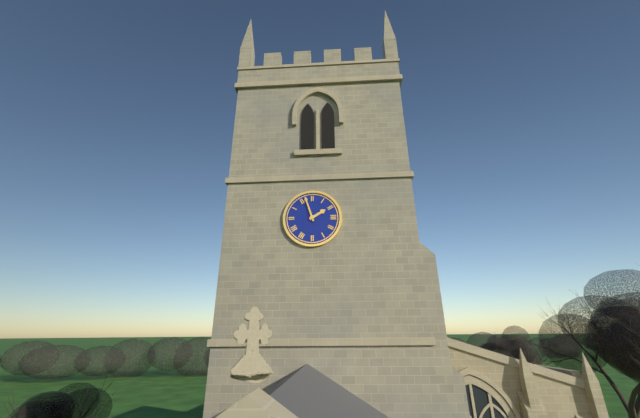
1:57
